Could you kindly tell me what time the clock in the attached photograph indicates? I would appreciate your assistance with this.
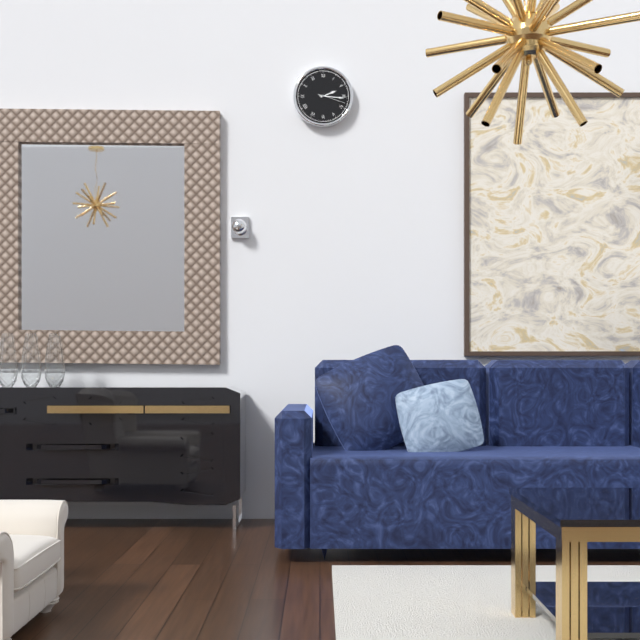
2:16
